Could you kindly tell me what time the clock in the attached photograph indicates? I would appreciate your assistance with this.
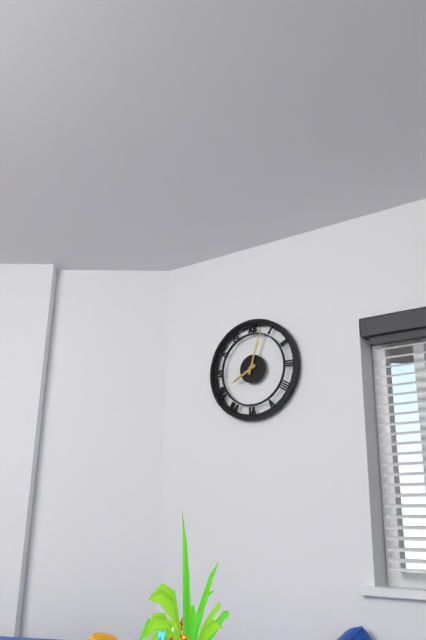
8:03
